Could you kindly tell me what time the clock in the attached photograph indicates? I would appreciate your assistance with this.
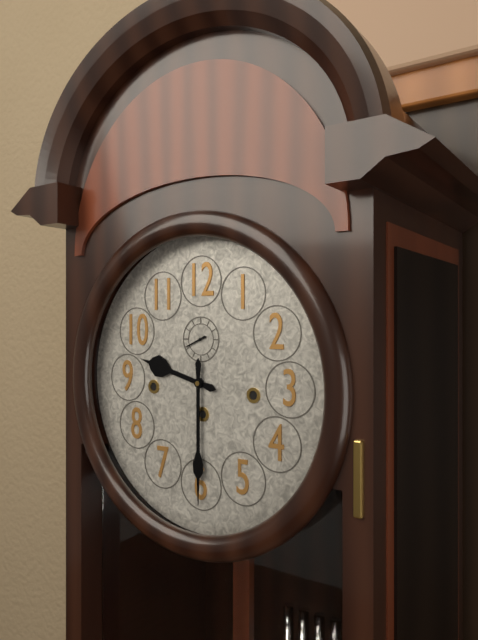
9:30
